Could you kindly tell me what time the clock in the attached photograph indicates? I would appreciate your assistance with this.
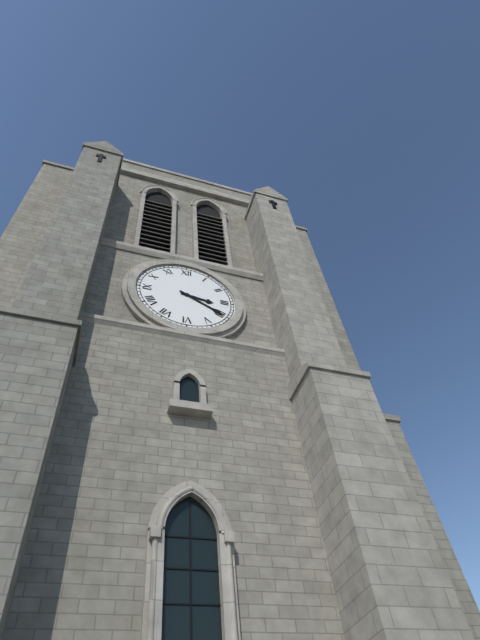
3:20
